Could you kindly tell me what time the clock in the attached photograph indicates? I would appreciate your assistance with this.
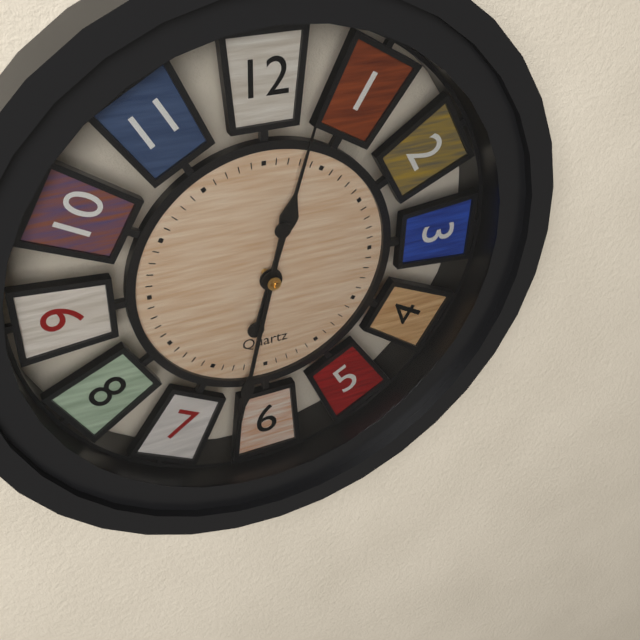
12:32
